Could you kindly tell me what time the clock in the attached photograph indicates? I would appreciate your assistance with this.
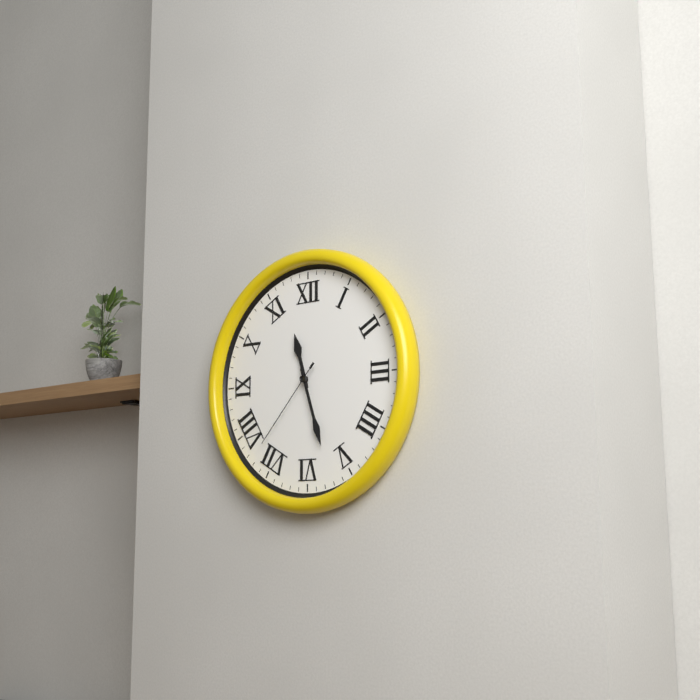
11:27:37
